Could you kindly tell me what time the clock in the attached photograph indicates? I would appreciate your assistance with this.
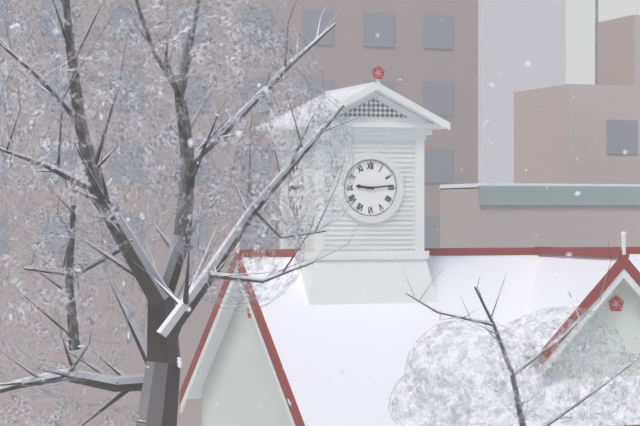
9:14
